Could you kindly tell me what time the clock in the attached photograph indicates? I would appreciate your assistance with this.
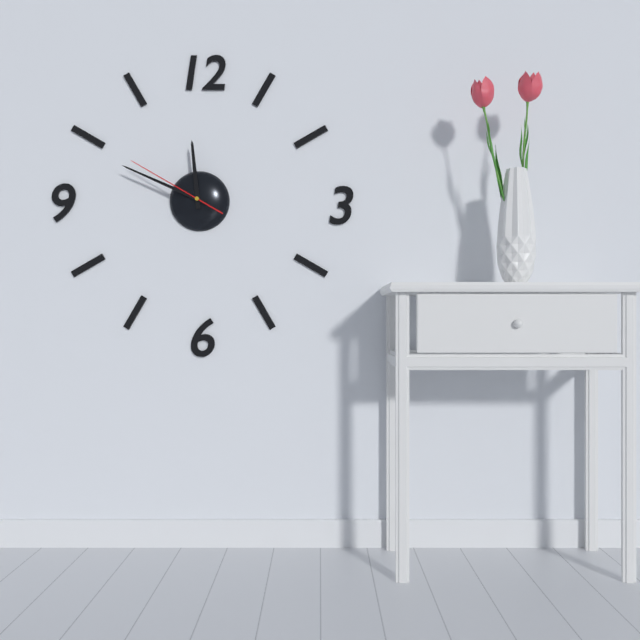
11:49:50
